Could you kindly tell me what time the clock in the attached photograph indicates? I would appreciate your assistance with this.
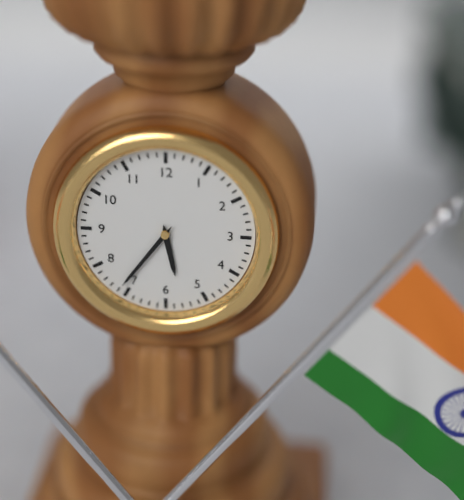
5:36
